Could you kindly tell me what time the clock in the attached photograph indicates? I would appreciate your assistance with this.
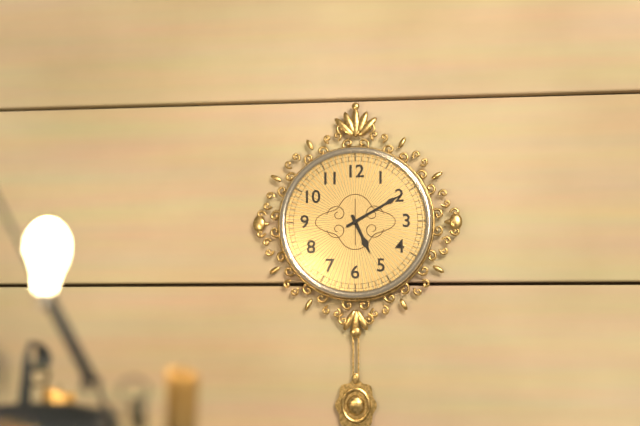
5:10
